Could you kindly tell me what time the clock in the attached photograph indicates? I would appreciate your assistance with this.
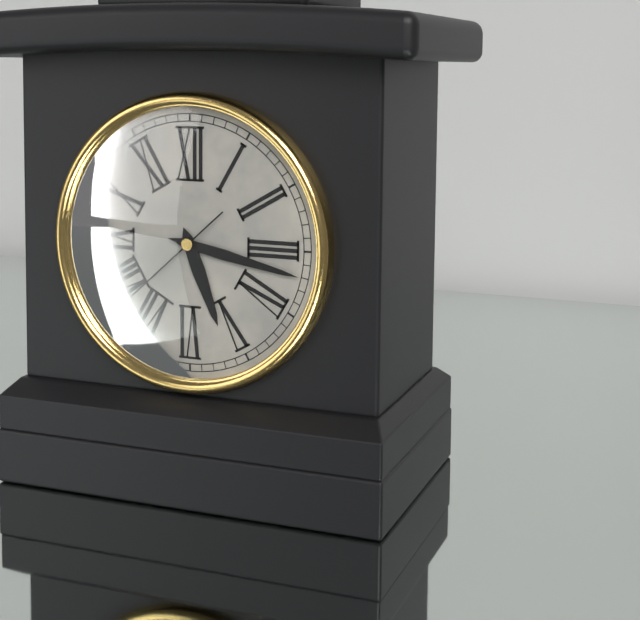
5:17:38
